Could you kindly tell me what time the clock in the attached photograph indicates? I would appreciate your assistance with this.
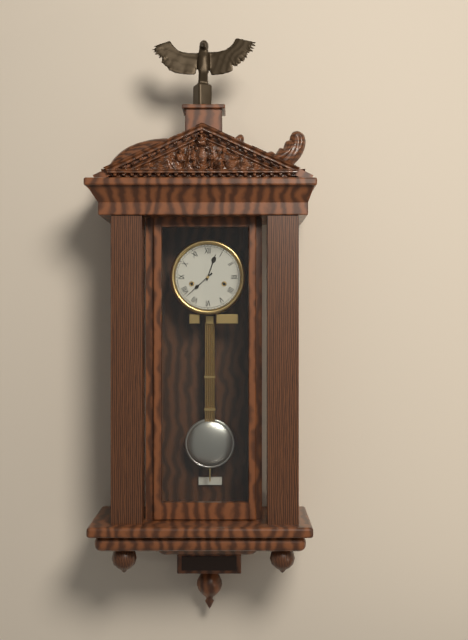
12:38
